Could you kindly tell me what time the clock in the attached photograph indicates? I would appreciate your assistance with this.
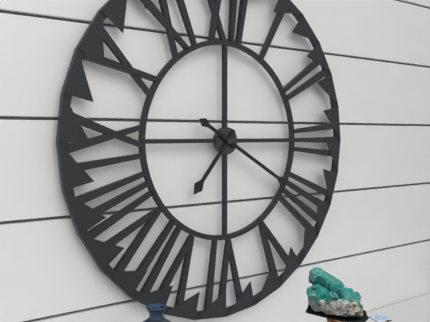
7:20
